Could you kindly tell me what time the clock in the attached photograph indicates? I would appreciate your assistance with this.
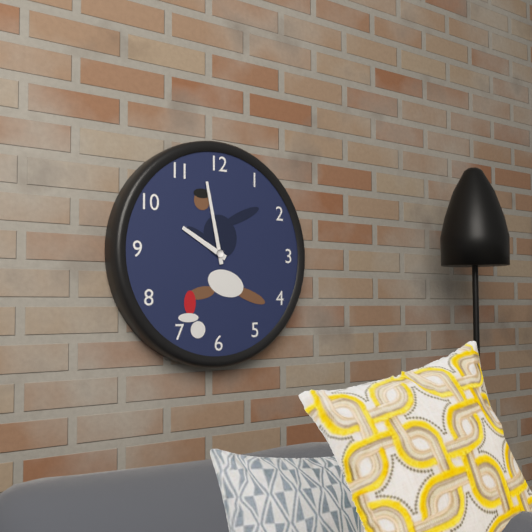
9:58
